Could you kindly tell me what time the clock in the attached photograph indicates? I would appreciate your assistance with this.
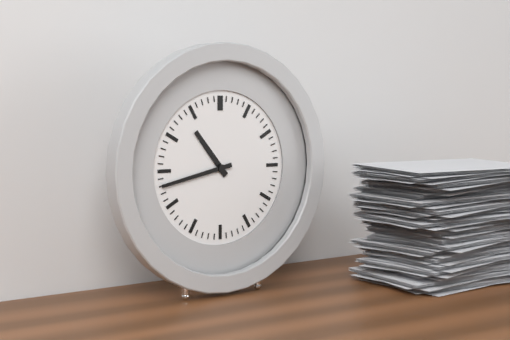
10:43
